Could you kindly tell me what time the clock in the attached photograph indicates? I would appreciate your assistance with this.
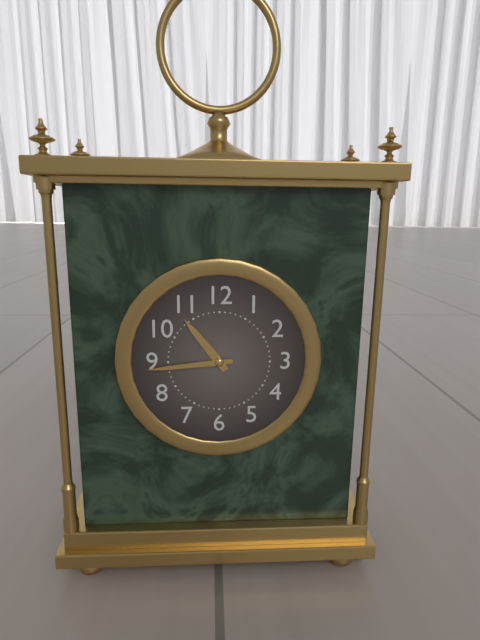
10:44
